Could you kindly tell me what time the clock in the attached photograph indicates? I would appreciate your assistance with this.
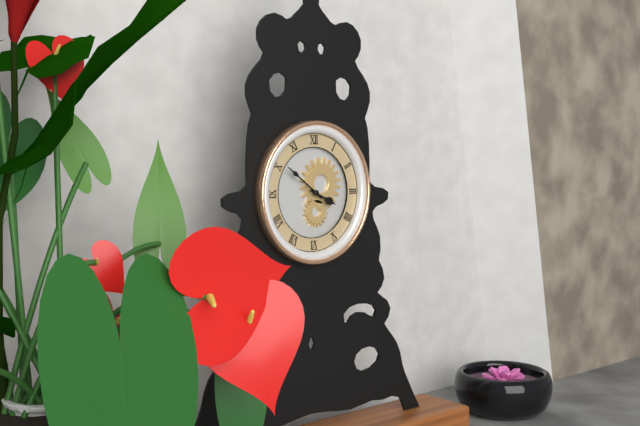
3:51
